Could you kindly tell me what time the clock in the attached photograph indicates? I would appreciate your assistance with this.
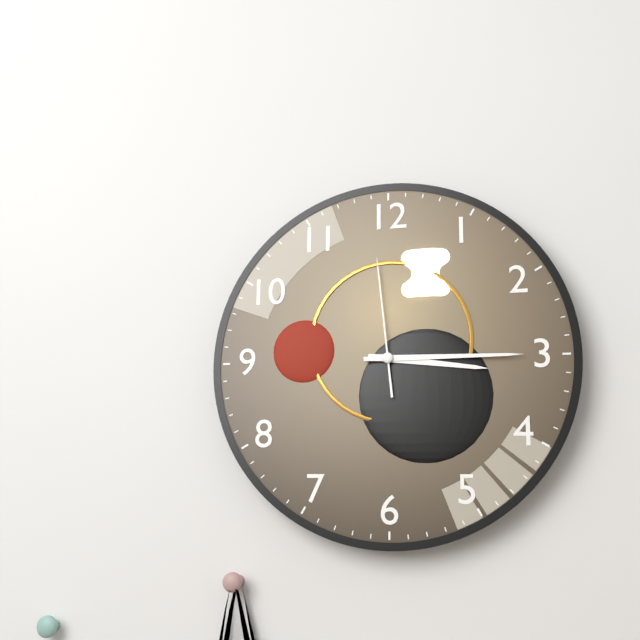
3:15:59
